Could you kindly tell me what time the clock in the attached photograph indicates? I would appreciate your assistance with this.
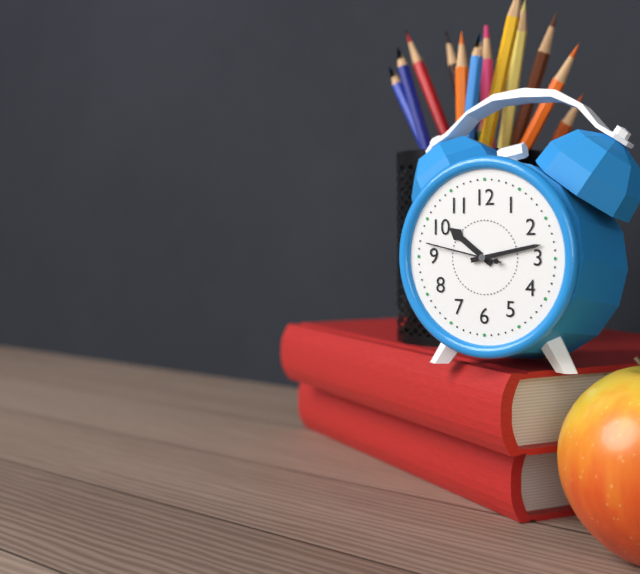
10:13:47
